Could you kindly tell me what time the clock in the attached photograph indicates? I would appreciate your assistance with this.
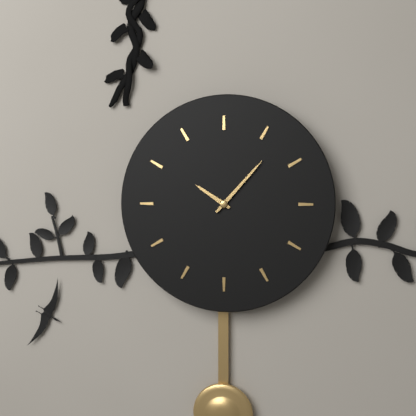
10:07
